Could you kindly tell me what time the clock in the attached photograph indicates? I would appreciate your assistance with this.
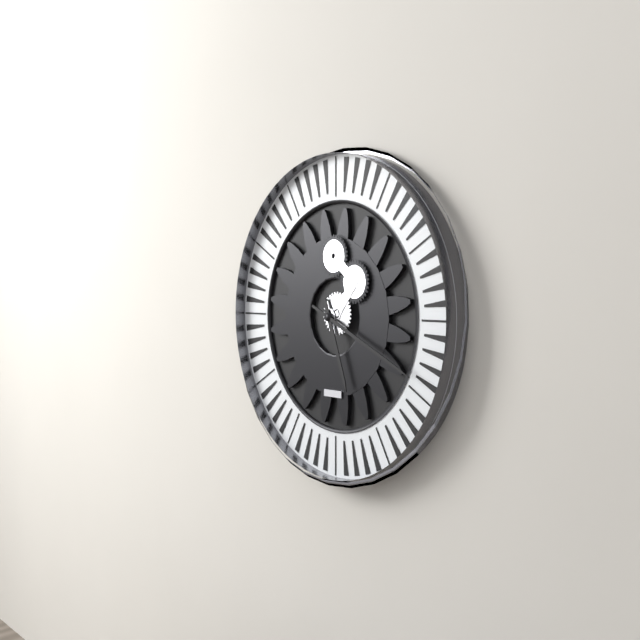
5:19
